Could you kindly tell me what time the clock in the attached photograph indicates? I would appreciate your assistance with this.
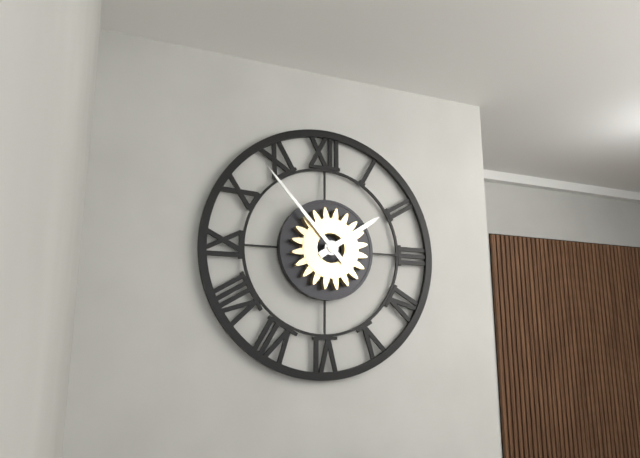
1:53
